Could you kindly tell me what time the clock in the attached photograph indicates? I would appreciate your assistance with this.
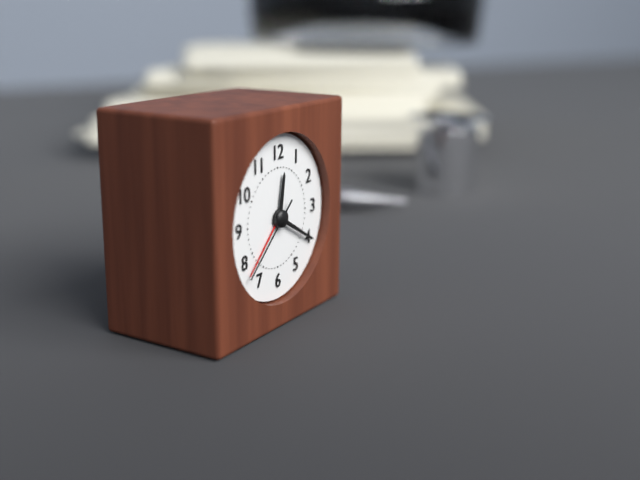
12:20:38
